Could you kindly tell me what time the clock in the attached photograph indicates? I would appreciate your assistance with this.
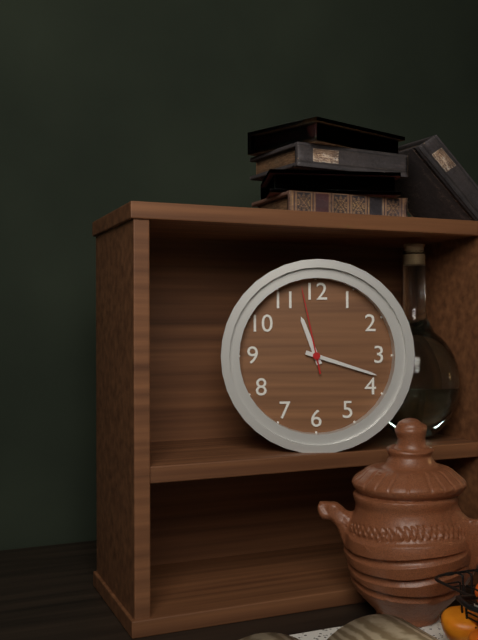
11:18:58
